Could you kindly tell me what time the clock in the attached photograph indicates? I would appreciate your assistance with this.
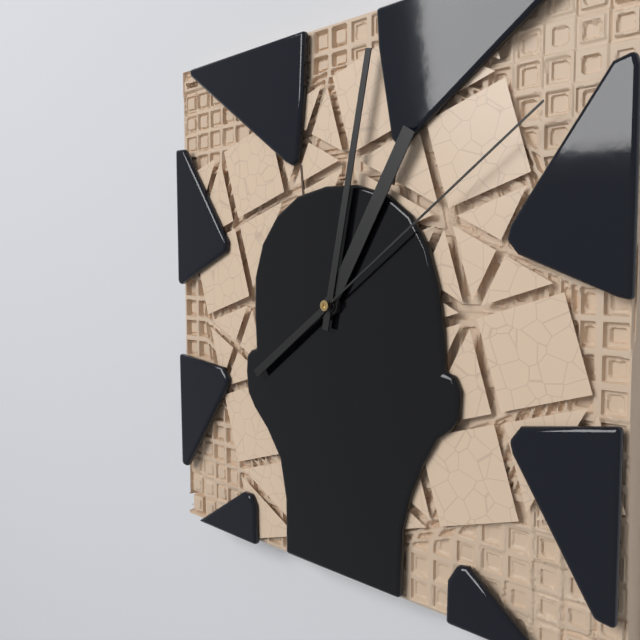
1:02:09
